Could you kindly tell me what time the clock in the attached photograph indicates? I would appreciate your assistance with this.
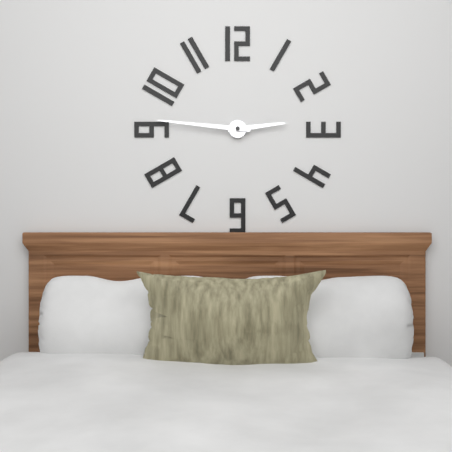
2:46
